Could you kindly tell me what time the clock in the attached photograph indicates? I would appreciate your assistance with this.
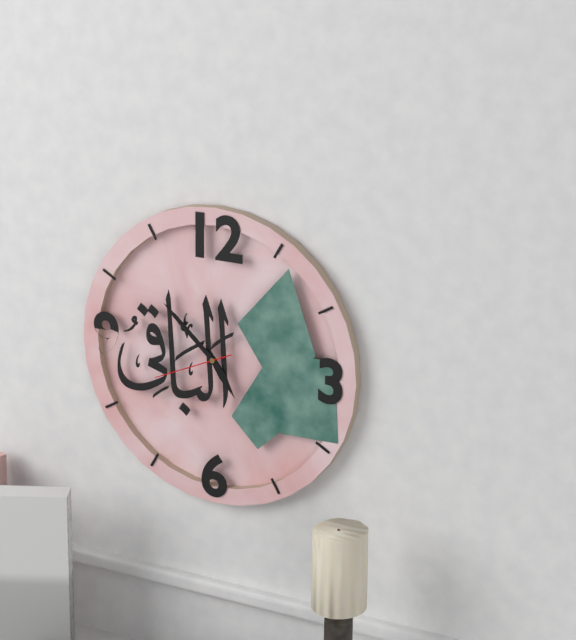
4:52:41
